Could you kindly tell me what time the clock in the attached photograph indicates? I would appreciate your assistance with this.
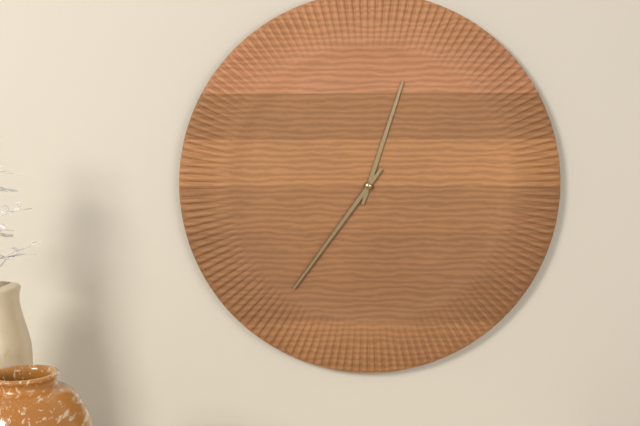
12:36
